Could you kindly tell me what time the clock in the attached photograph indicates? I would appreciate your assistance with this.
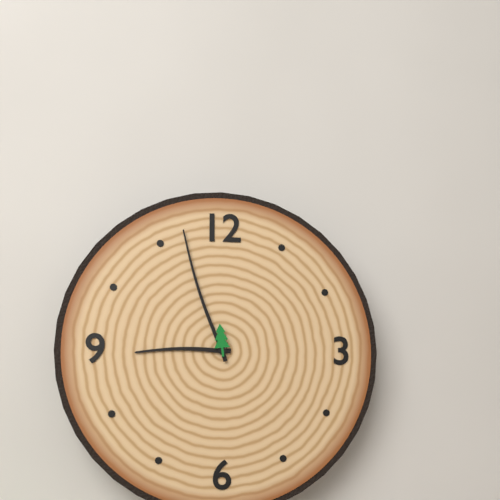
8:57
